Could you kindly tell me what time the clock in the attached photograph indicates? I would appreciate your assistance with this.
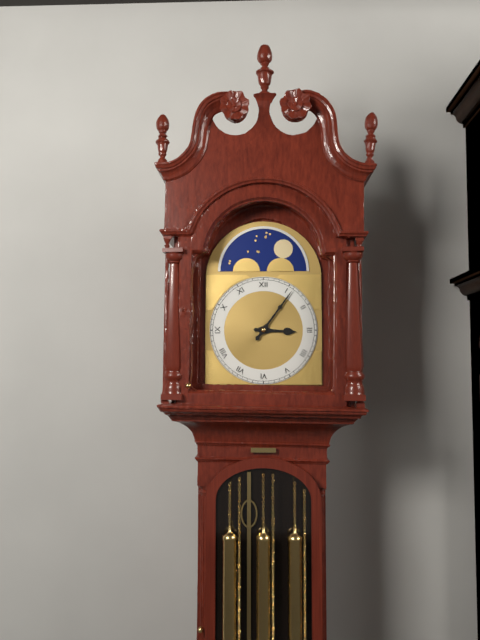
3:06
